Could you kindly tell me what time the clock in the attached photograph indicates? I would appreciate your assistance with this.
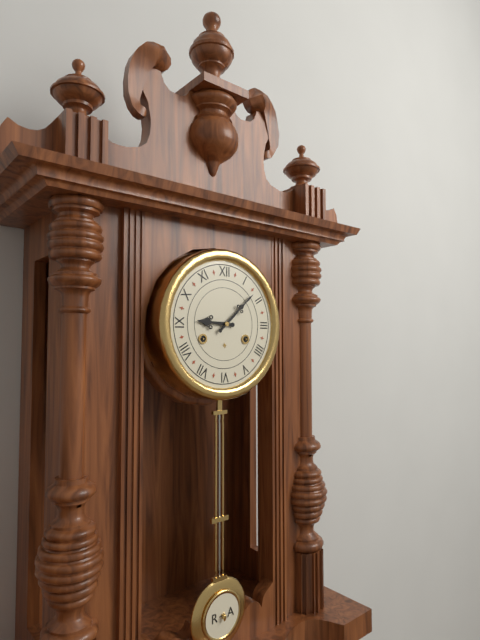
9:08
